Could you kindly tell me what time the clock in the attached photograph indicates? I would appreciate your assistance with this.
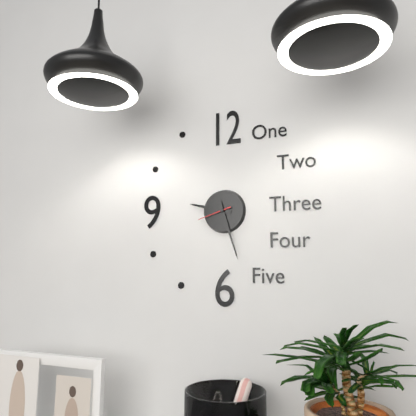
9:27
